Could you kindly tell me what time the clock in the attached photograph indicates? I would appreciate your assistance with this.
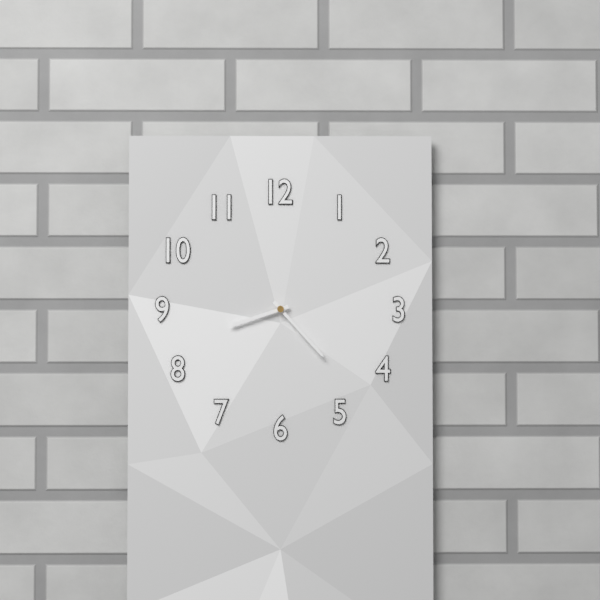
8:23
